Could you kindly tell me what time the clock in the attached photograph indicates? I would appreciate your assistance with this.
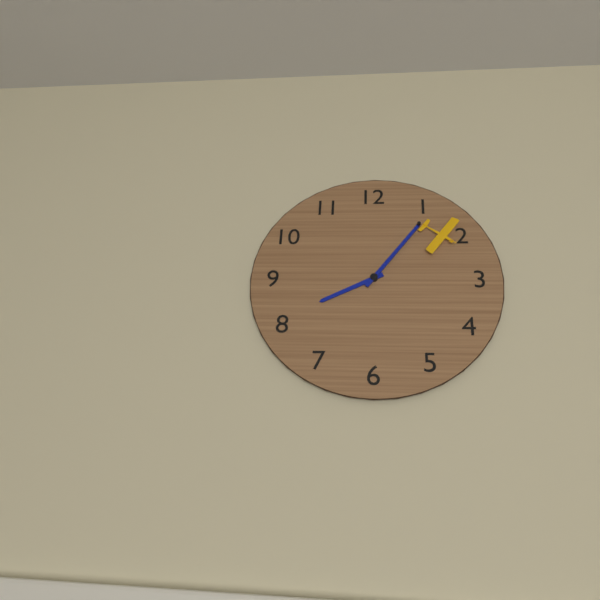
8:06
